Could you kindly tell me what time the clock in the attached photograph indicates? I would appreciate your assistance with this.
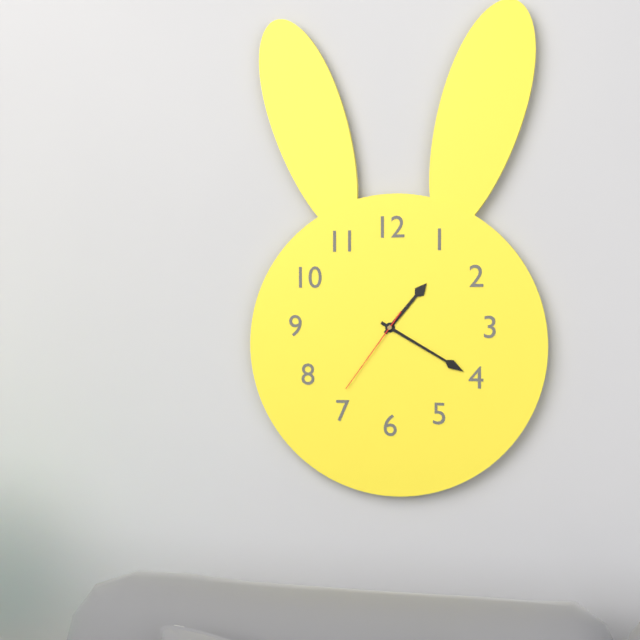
1:20:36
